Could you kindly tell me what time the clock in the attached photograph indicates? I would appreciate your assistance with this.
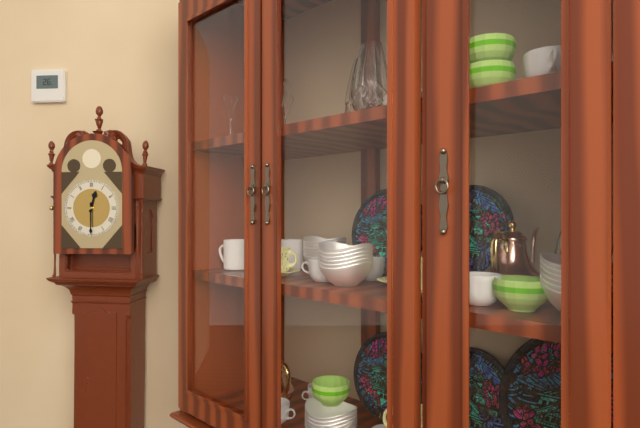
12:30
